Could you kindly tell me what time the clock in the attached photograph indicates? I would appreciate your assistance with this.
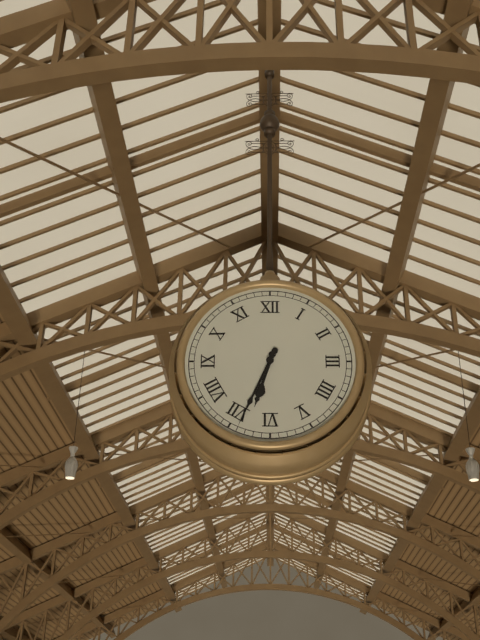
6:34
